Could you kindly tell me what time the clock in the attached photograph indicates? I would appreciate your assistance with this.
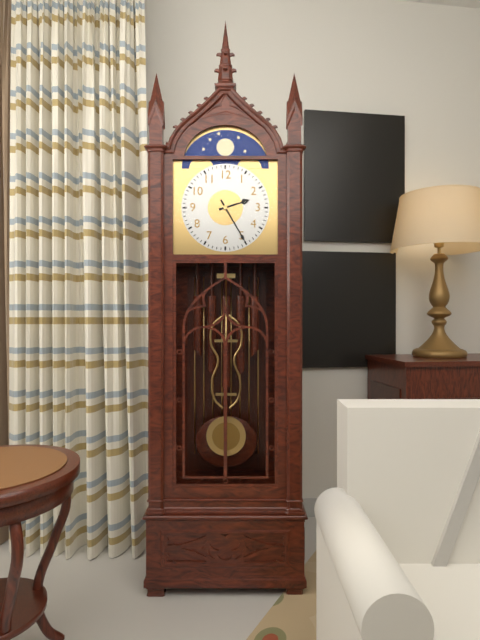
2:25
